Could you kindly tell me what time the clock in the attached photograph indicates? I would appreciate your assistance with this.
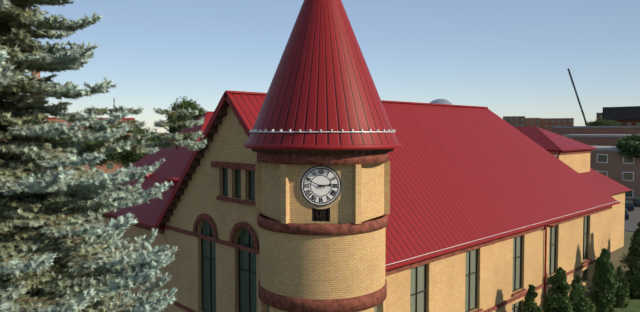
2:49
